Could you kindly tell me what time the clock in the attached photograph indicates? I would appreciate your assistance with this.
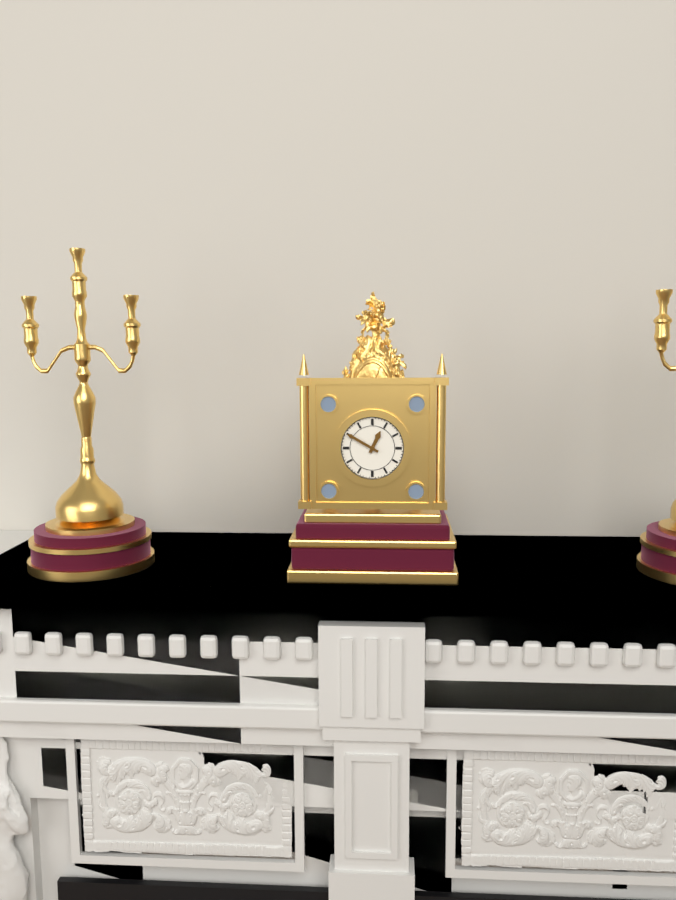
12:50
